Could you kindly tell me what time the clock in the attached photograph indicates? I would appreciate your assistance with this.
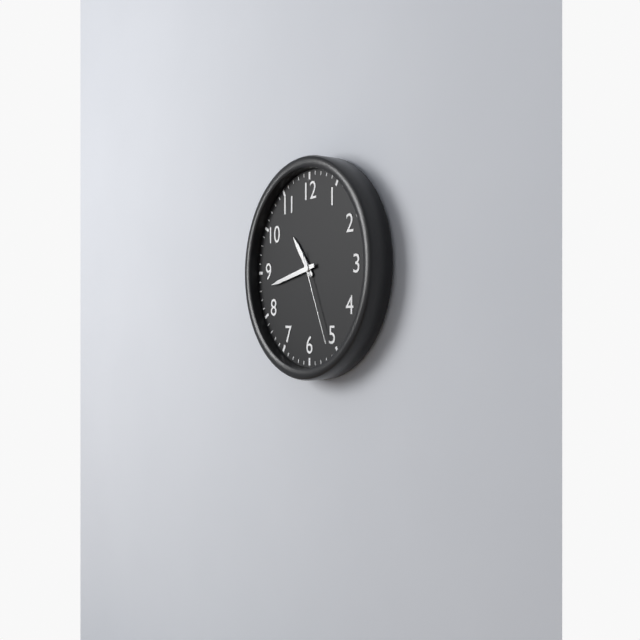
10:43:26
